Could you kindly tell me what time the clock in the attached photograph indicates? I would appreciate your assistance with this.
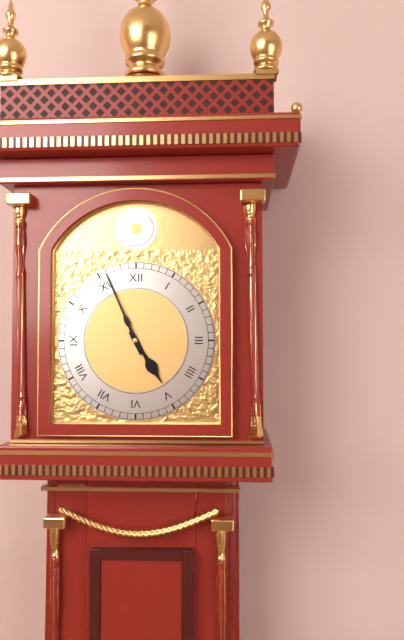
4:56
